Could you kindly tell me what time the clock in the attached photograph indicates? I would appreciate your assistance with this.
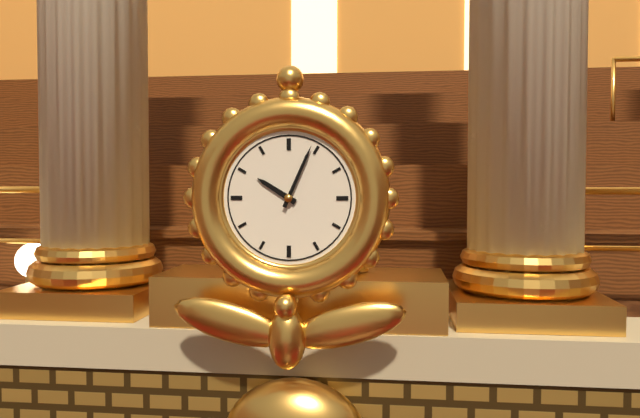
10:04
